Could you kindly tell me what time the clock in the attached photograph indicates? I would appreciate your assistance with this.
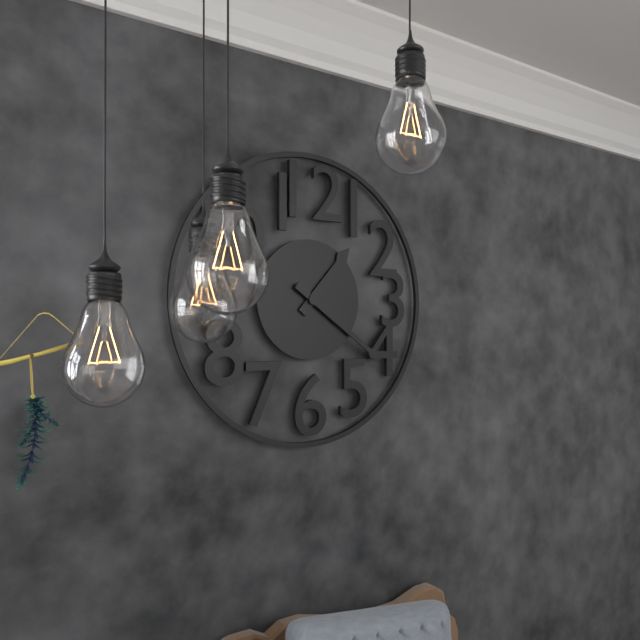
1:21
